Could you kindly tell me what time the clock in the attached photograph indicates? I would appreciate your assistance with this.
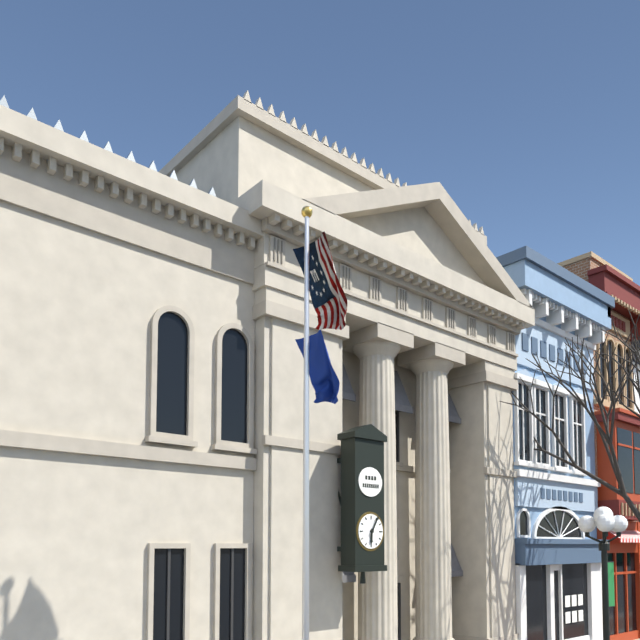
6:05
